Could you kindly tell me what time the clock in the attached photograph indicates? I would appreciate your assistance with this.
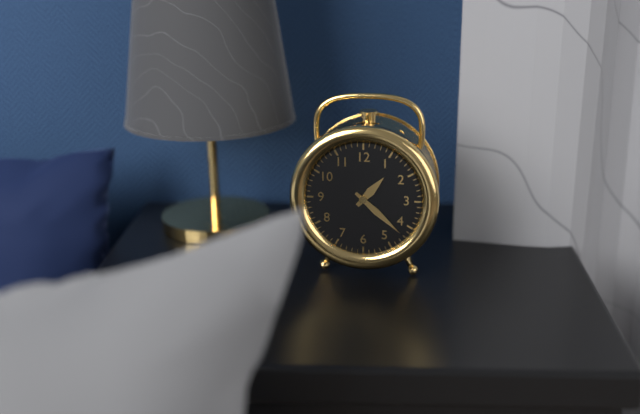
1:22
